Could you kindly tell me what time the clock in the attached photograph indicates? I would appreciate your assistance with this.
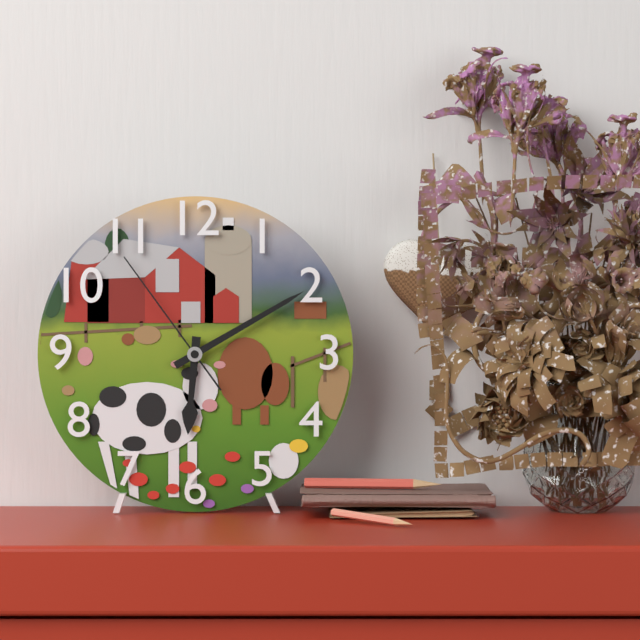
6:10:54
